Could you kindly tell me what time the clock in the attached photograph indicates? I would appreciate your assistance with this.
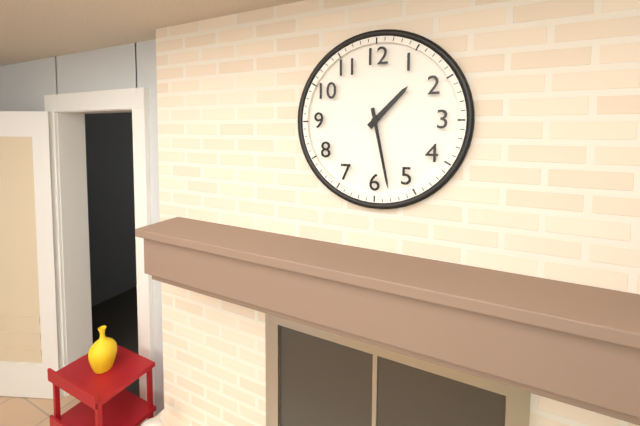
1:28
